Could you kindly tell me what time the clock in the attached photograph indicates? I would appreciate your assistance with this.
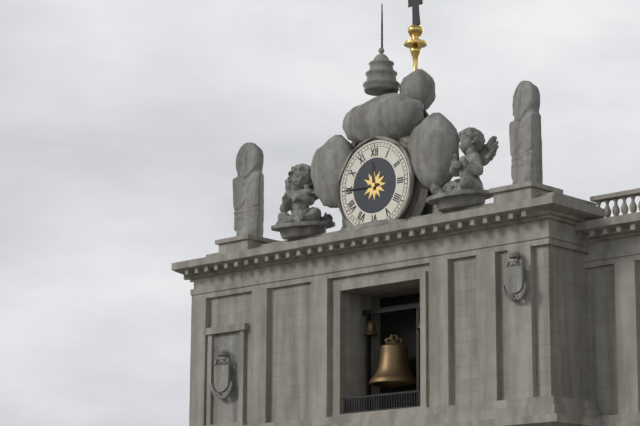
11:45
